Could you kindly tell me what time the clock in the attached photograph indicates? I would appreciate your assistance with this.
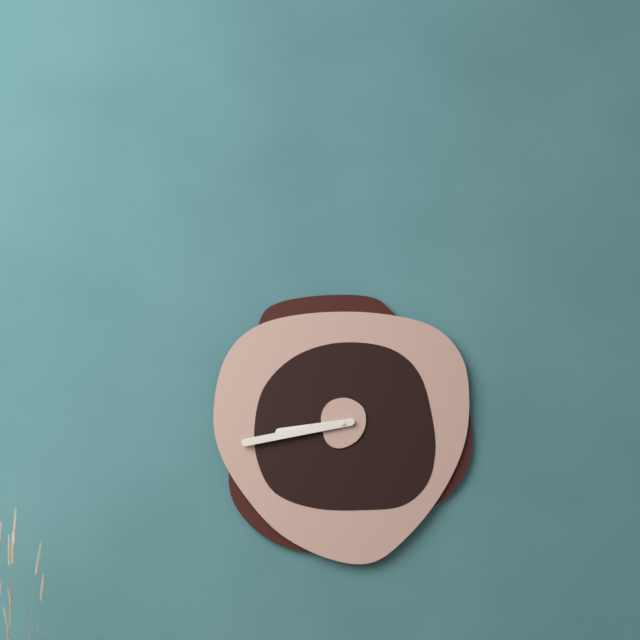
8:43
